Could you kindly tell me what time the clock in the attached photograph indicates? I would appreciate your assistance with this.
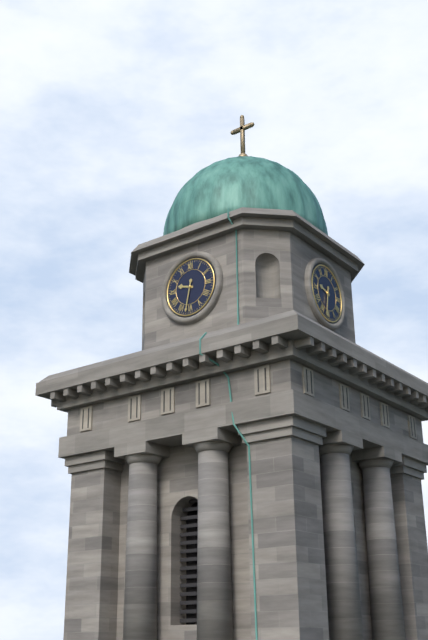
9:32
